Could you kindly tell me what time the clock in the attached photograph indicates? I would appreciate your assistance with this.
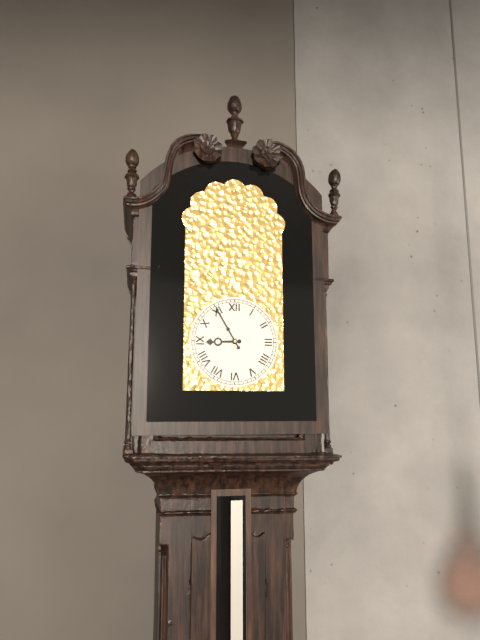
8:55
